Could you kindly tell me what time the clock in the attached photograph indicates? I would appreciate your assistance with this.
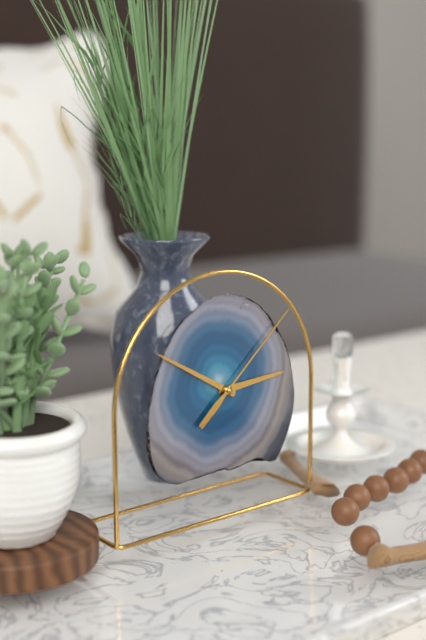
2:50:08
